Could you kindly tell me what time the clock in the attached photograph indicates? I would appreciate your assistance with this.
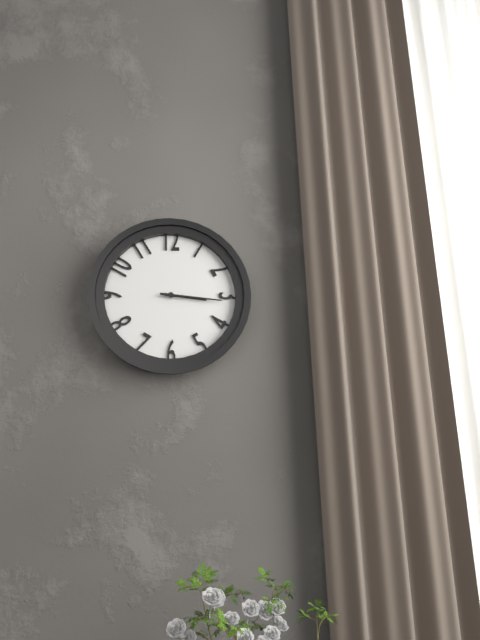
3:16
